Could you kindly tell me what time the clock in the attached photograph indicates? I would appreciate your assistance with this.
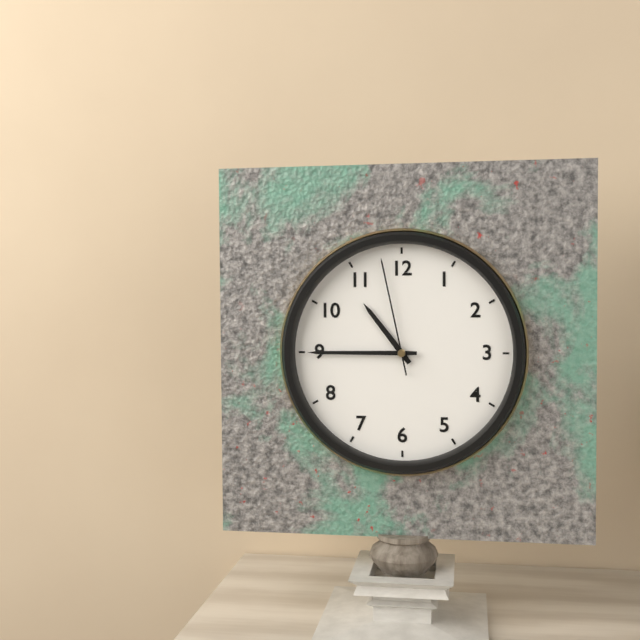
10:45:58
